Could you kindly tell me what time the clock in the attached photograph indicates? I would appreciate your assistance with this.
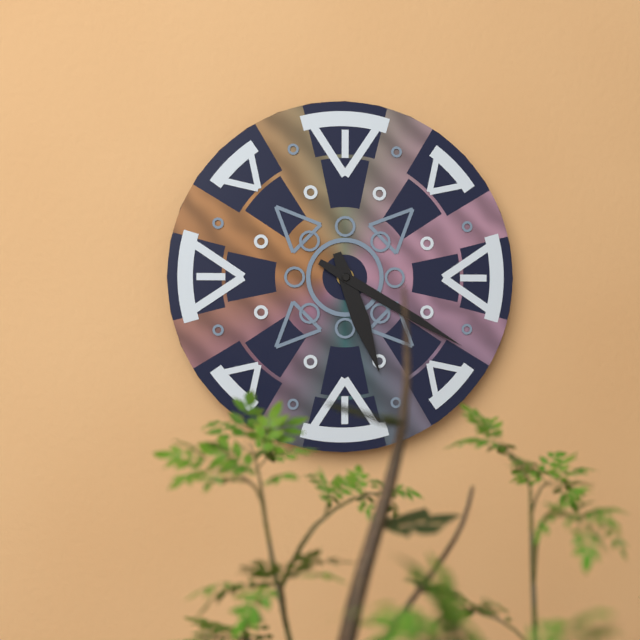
5:20
